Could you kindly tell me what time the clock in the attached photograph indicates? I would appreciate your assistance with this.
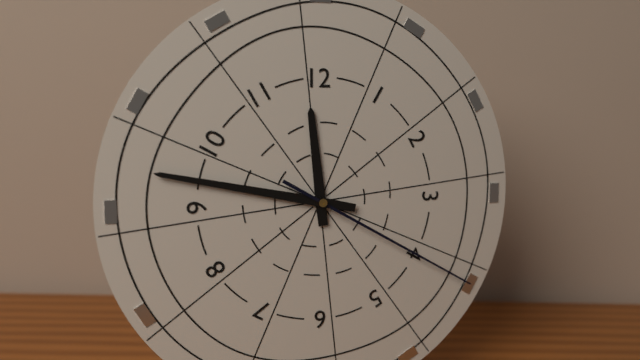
11:47:20
